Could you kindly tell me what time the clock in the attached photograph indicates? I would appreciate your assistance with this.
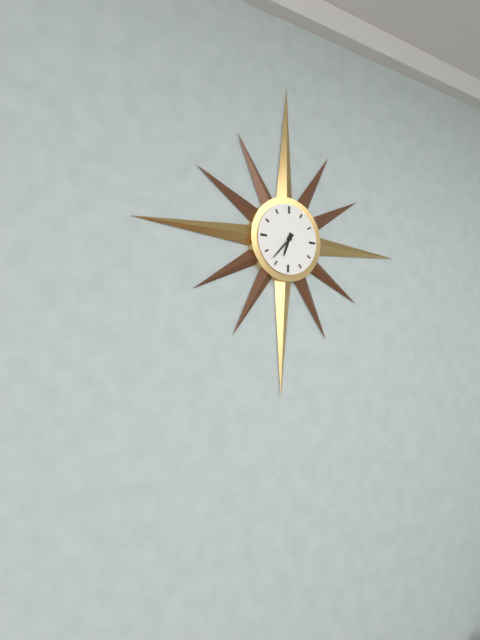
6:37
